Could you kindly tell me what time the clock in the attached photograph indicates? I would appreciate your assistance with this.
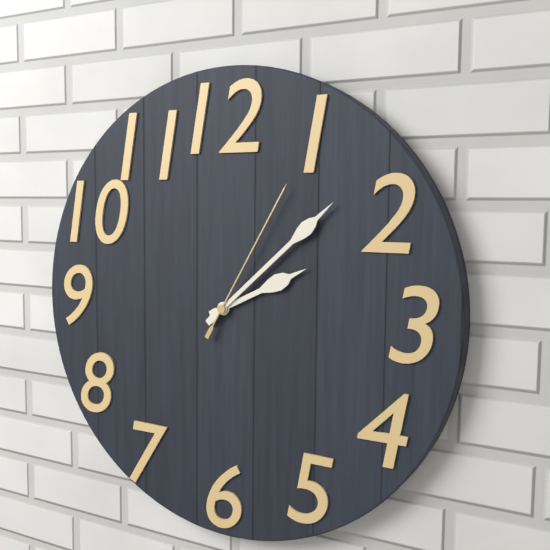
2:08:05
